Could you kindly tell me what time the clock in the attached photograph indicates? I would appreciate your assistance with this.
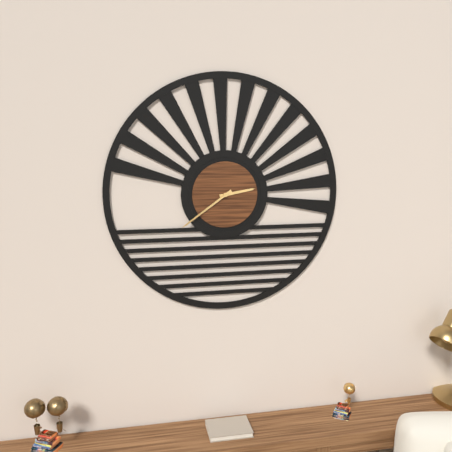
2:39
